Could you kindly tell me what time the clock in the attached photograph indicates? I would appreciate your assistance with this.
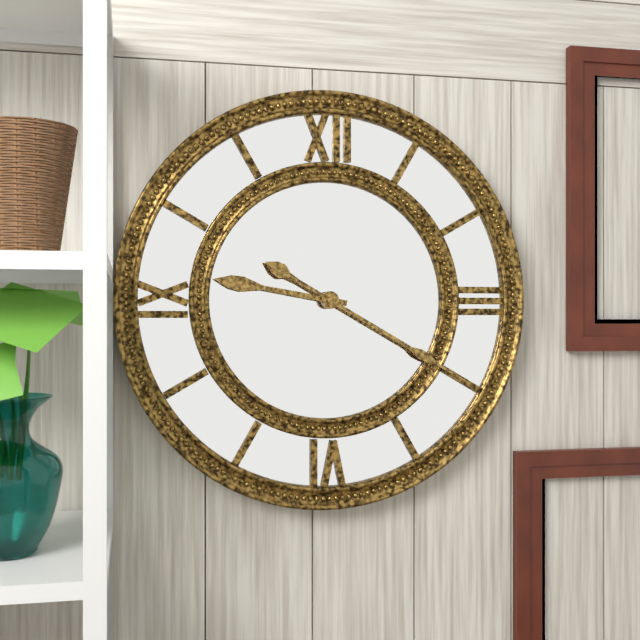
9:20
